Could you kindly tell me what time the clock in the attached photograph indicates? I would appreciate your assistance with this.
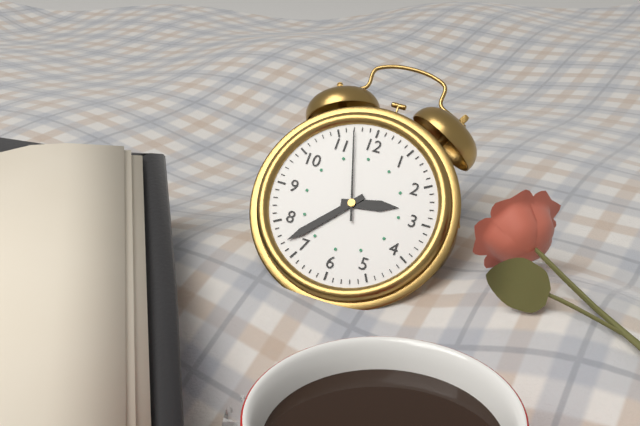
2:37:57
